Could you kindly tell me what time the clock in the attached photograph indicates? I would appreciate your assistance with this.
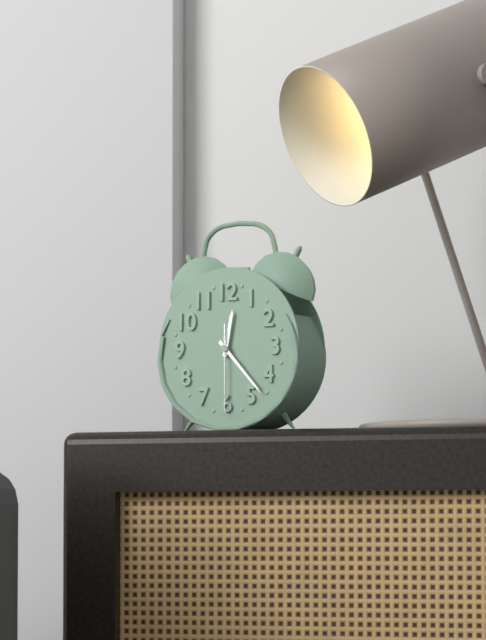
12:23:30
